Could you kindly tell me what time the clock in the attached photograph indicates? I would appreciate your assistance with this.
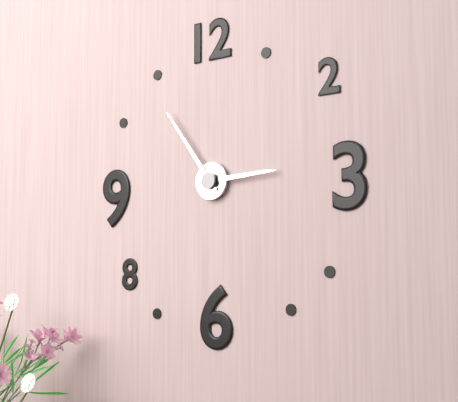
2:54
